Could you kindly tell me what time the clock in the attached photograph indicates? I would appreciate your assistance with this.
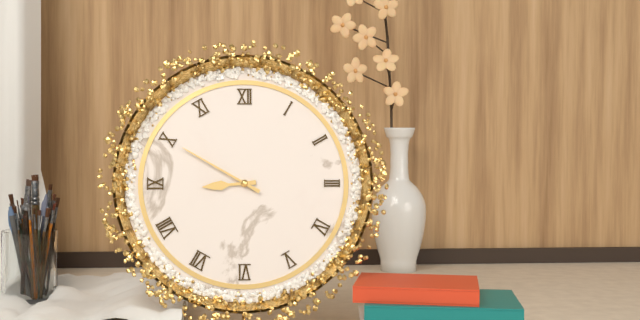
8:50
